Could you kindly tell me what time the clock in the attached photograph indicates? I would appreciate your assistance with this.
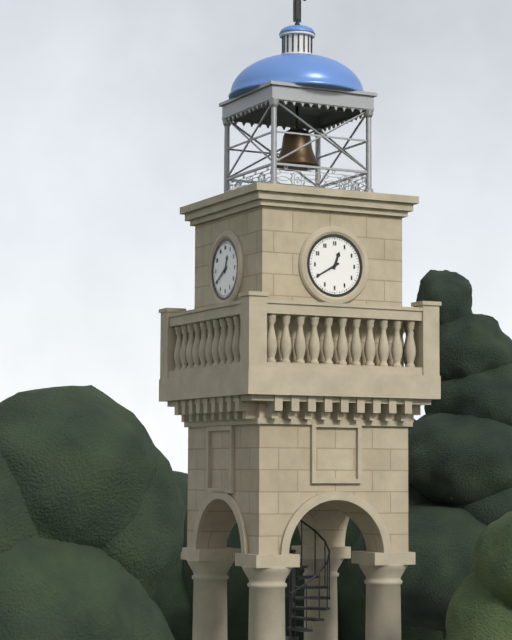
12:40
